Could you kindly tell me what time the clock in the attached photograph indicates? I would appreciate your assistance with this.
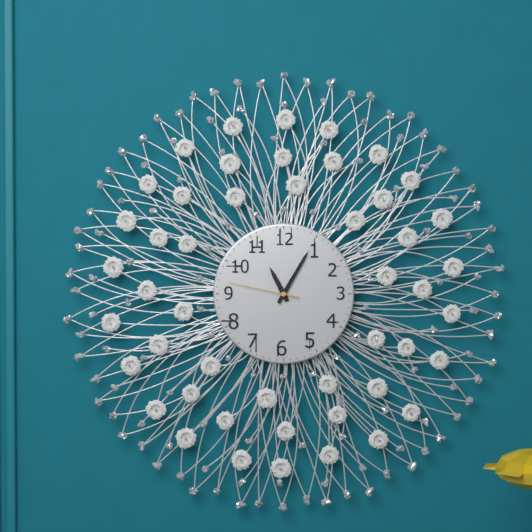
11:05:47
